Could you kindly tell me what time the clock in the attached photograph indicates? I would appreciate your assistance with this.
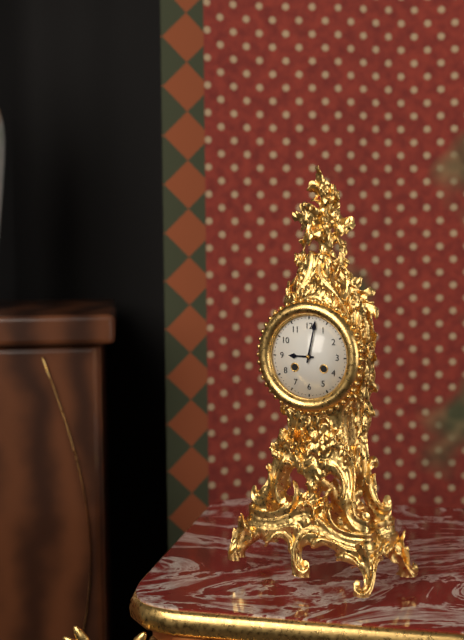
9:02
